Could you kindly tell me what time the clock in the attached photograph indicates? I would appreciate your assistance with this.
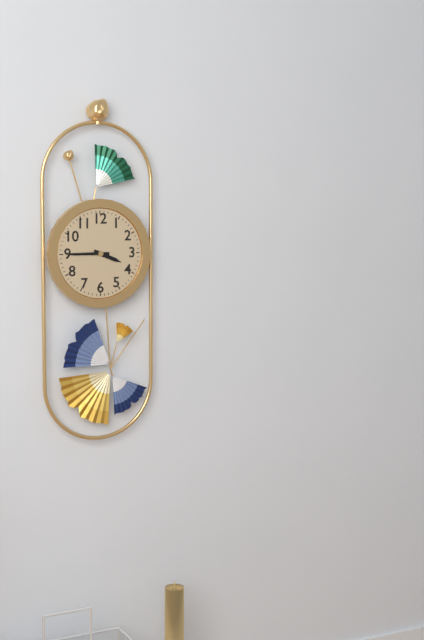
3:45
